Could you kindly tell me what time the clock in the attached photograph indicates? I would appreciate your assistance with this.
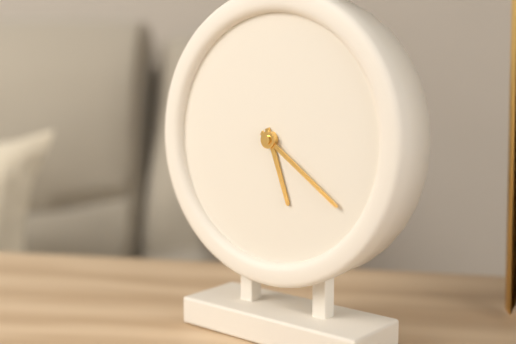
5:21
